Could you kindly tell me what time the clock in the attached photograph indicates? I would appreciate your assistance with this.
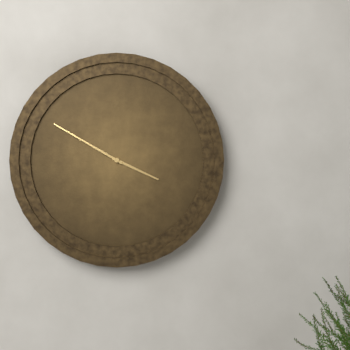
3:50
